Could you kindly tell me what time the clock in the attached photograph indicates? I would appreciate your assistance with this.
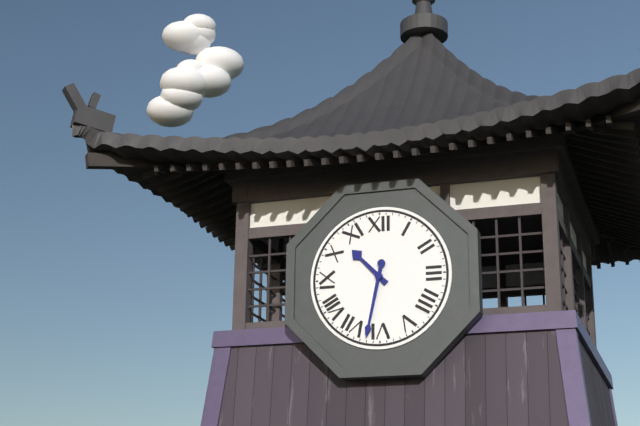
10:32
